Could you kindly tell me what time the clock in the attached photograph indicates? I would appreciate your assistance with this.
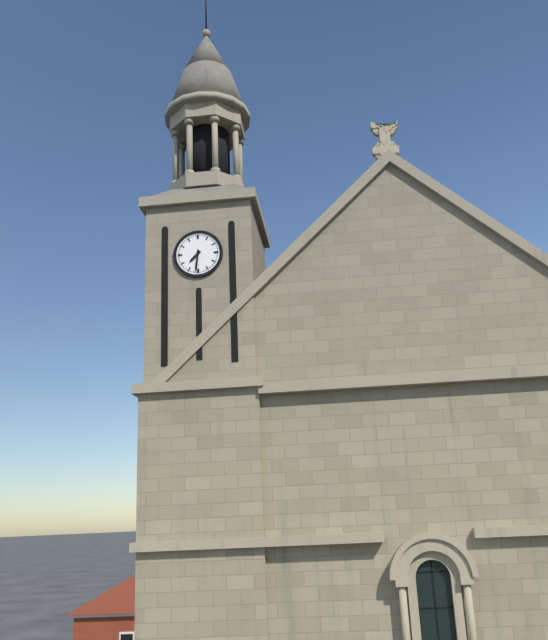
7:31
